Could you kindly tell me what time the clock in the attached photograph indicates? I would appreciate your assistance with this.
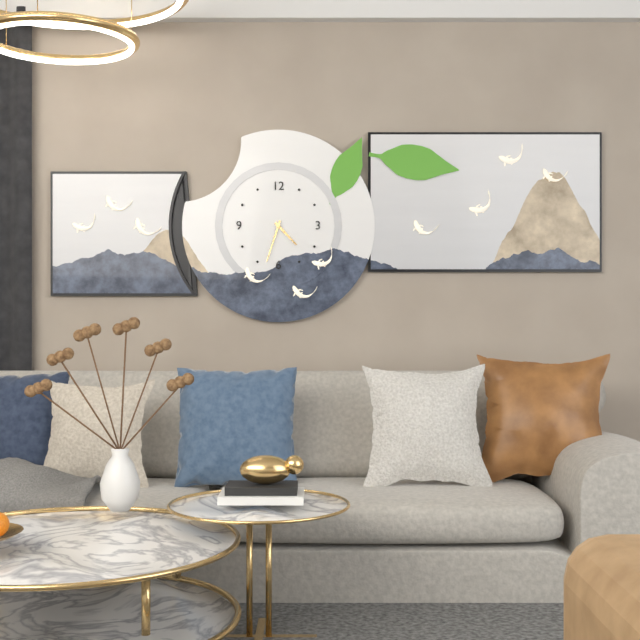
4:33
